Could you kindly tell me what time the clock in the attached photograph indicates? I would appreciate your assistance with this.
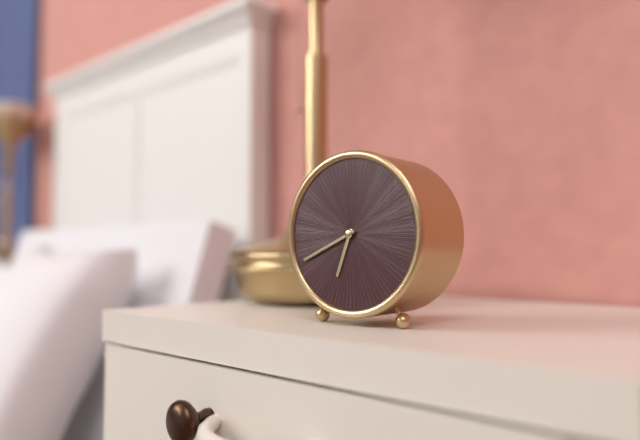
6:41
